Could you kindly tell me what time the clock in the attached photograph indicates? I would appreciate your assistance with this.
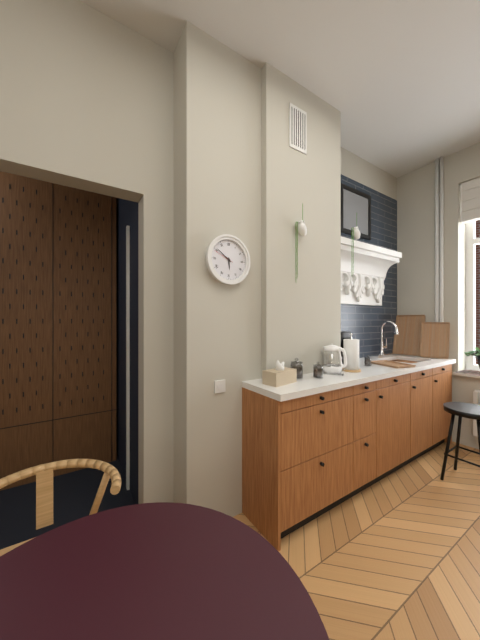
5:51
